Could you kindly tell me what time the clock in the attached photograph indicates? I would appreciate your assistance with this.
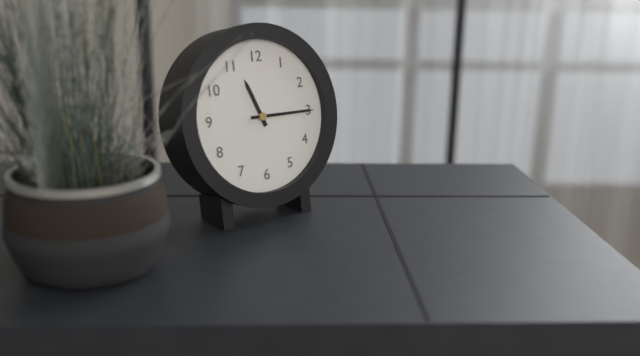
11:15
